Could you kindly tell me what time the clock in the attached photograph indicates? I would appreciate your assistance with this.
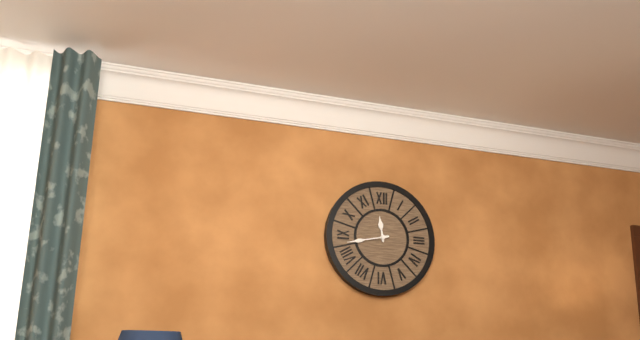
11:43
